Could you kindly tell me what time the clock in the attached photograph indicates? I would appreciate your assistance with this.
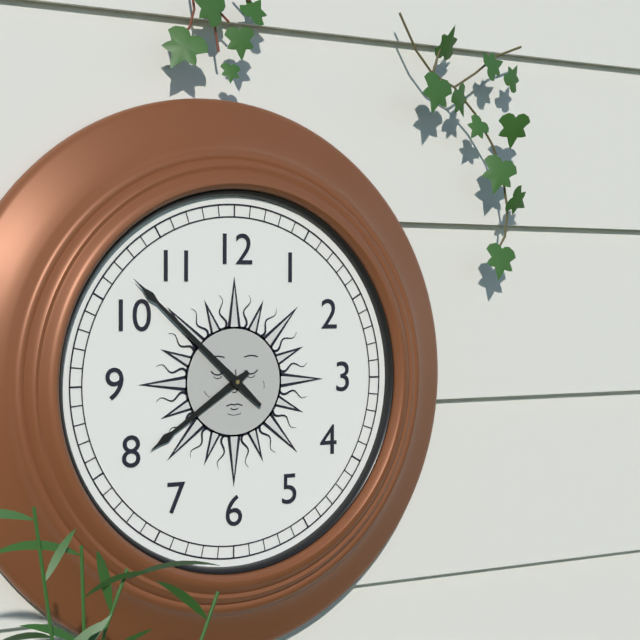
7:52
